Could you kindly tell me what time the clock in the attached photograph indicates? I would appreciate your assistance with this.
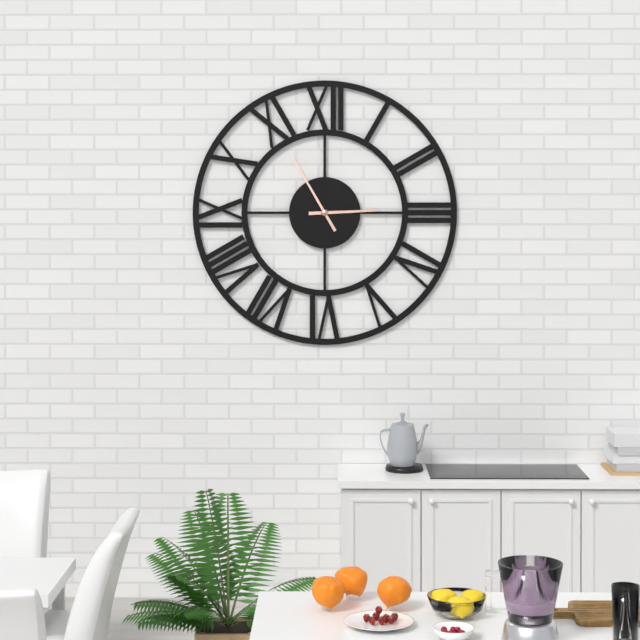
2:55
